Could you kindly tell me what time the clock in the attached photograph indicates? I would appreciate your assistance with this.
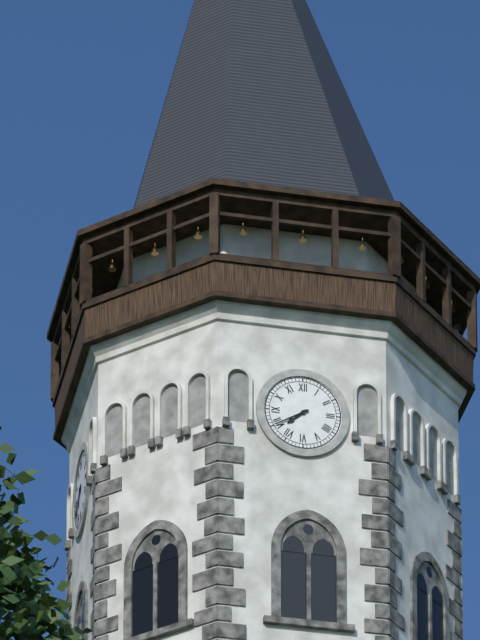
7:40
